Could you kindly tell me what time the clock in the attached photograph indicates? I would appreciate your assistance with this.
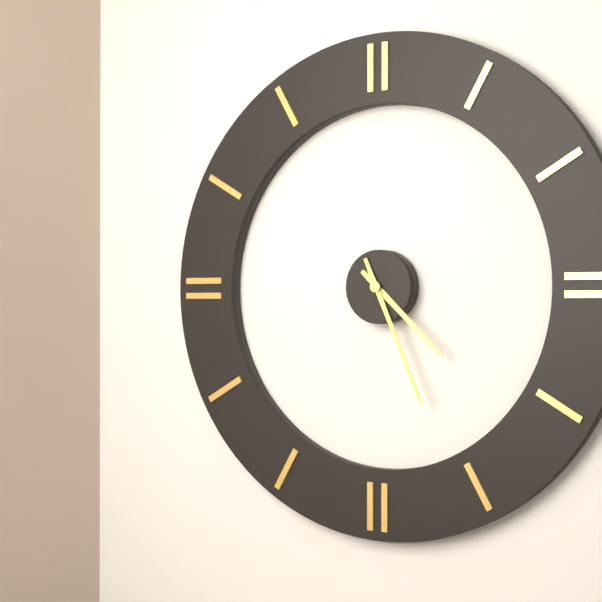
4:26
